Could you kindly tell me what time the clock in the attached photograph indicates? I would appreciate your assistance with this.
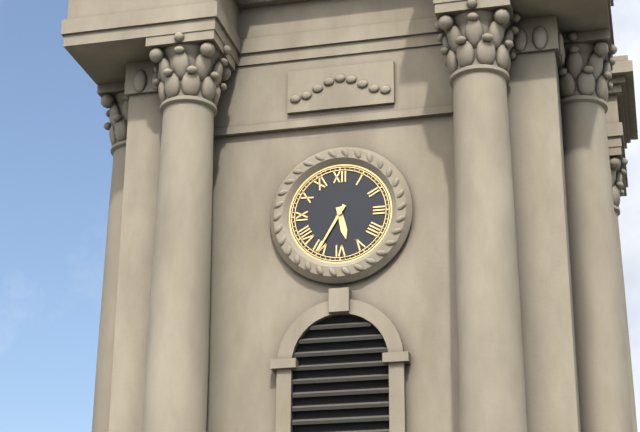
5:35
